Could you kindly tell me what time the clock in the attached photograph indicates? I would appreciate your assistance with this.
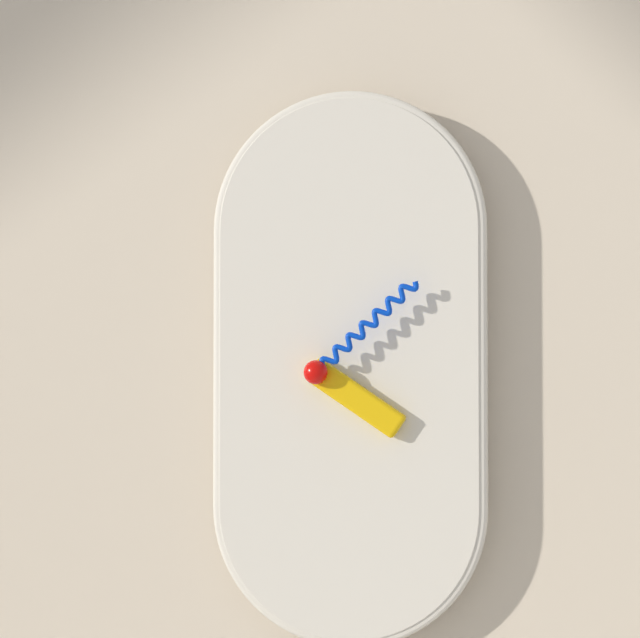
4:08
